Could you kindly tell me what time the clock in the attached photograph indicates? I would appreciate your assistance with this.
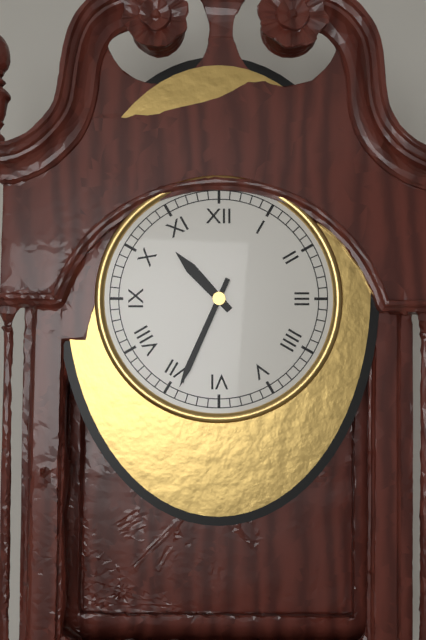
10:34
